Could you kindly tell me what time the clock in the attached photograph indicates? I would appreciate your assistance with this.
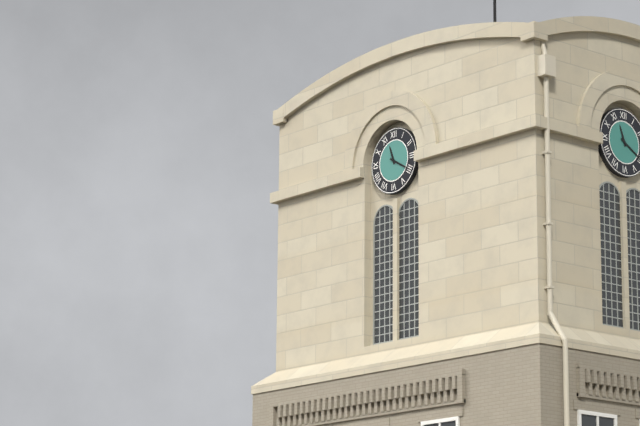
11:20
